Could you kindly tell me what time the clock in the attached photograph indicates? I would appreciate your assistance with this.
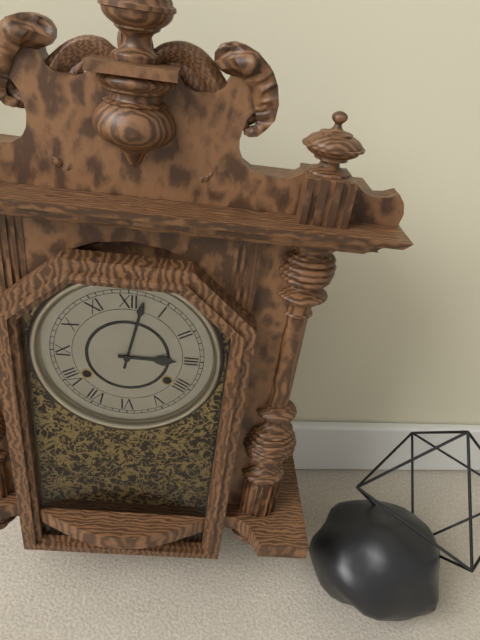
3:02
